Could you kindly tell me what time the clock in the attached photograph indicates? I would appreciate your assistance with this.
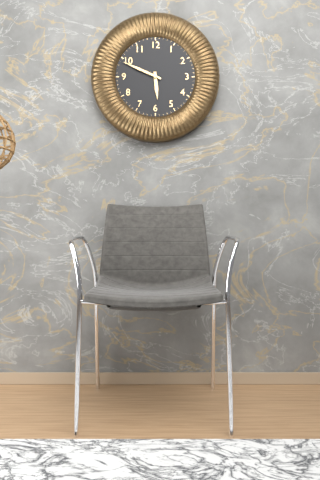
5:49
